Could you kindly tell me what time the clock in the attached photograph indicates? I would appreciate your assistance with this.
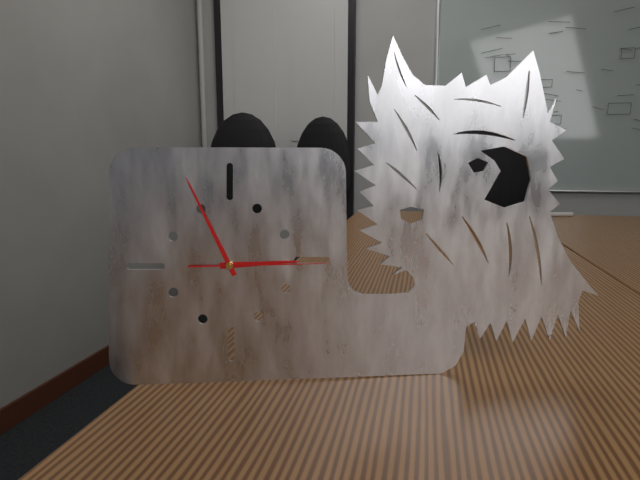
2:56:15
